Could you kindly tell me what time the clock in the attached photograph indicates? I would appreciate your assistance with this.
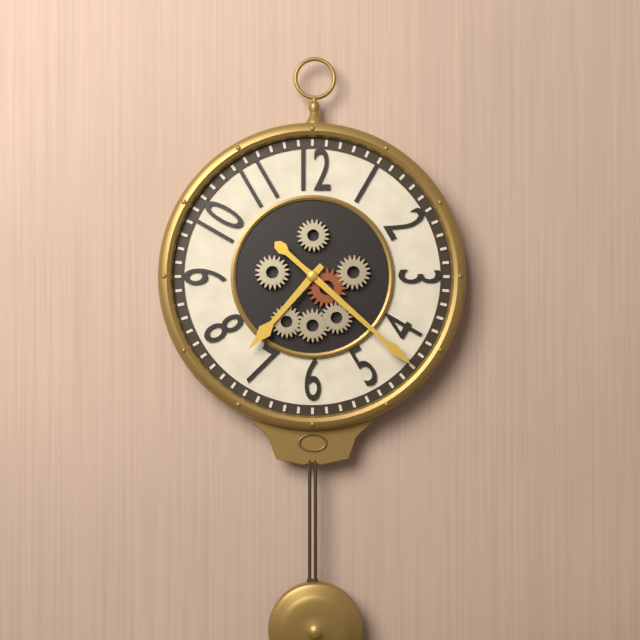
7:22
